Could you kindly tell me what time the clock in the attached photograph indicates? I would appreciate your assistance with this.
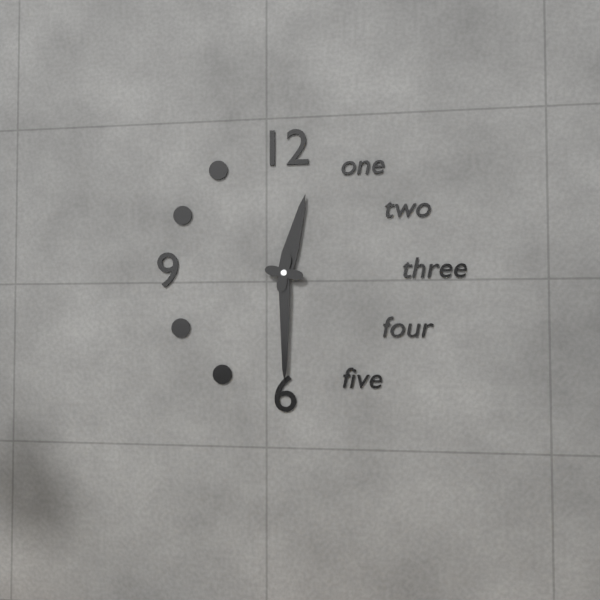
12:30
